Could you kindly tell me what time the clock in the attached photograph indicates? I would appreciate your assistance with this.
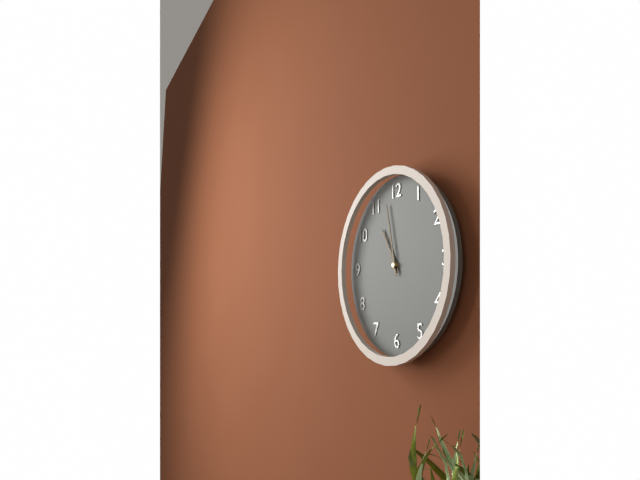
10:58
